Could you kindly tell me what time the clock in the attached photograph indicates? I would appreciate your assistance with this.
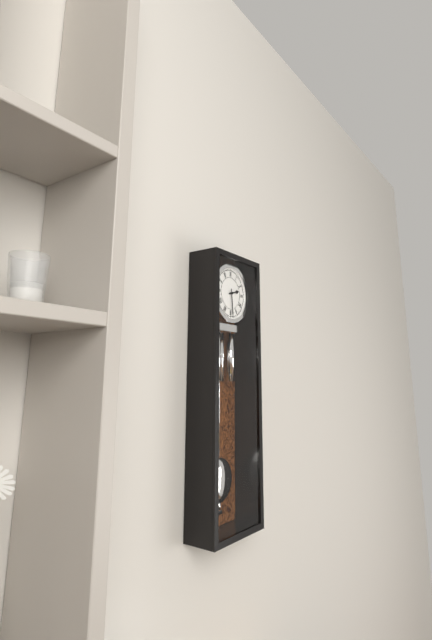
2:29
